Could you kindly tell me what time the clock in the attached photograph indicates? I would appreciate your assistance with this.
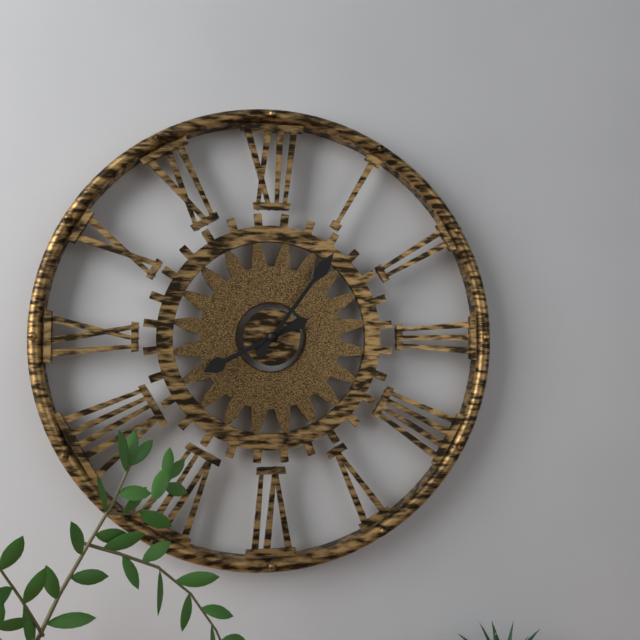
8:06
